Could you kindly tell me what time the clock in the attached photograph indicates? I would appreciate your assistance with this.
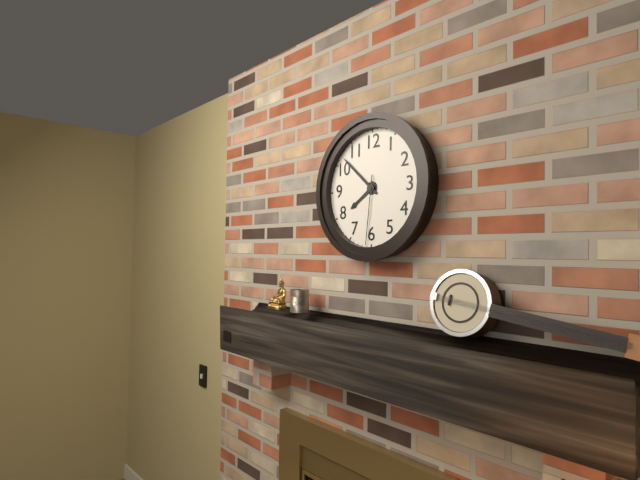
7:52:31
